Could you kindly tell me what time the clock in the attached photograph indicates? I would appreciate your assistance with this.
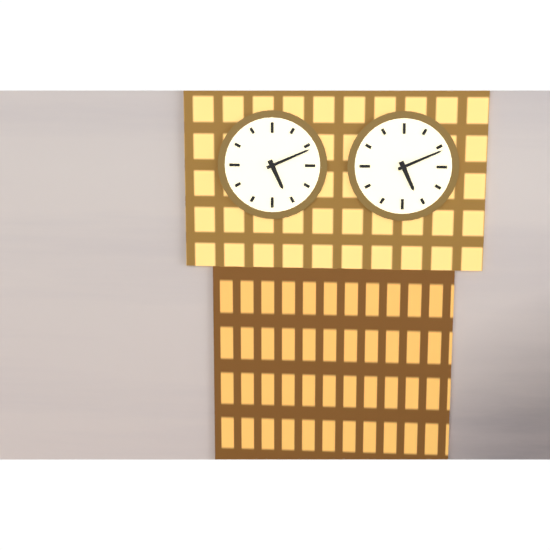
5:11
